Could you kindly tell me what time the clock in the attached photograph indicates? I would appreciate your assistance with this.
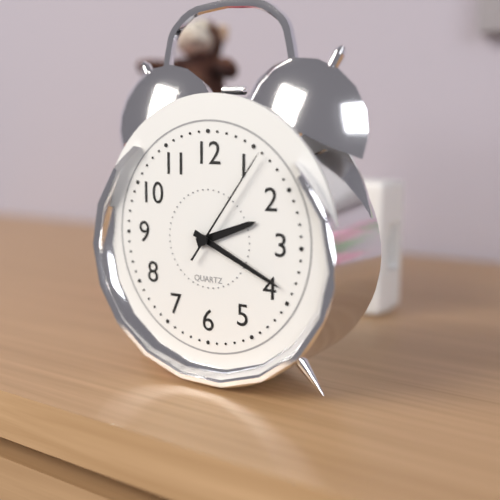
2:19:06
